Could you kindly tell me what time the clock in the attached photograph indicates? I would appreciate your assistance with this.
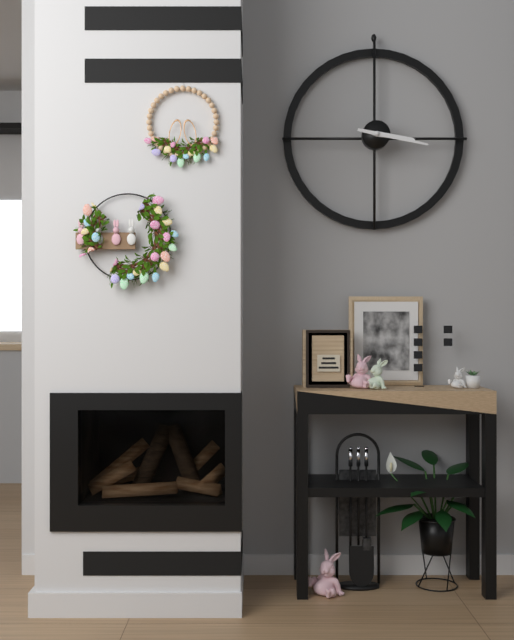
3:17
